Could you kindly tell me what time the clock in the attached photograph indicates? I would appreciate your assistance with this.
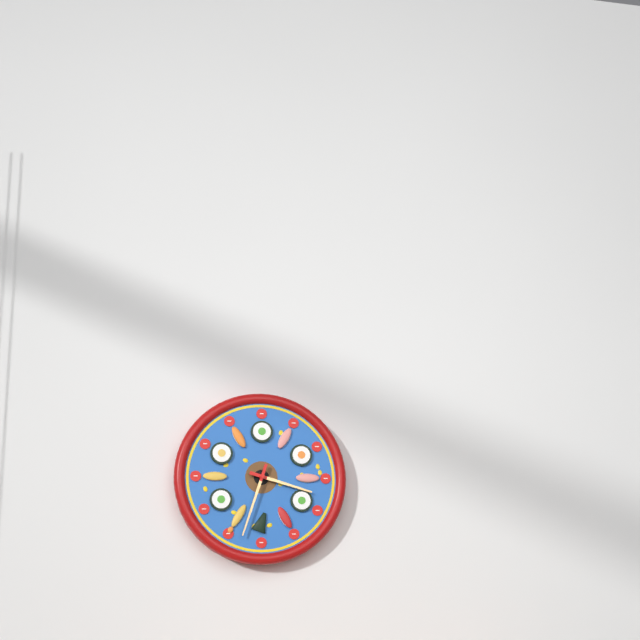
3:33
